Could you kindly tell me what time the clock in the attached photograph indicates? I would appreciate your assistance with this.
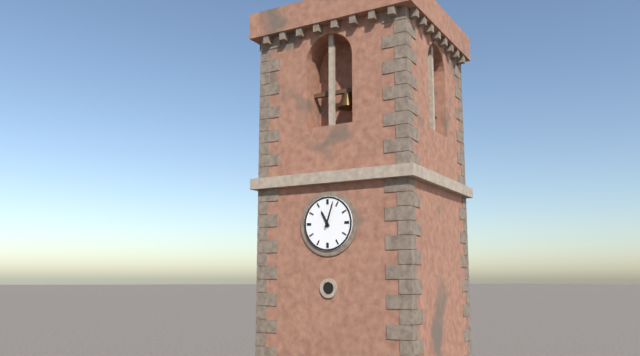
11:03
